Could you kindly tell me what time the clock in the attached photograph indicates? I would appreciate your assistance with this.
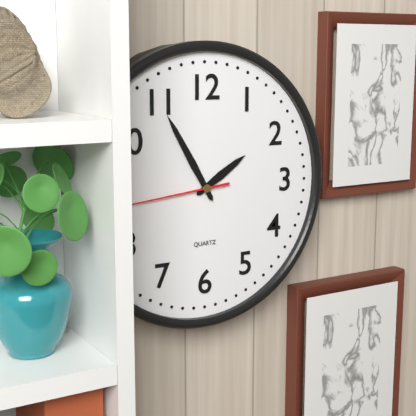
1:55:44
